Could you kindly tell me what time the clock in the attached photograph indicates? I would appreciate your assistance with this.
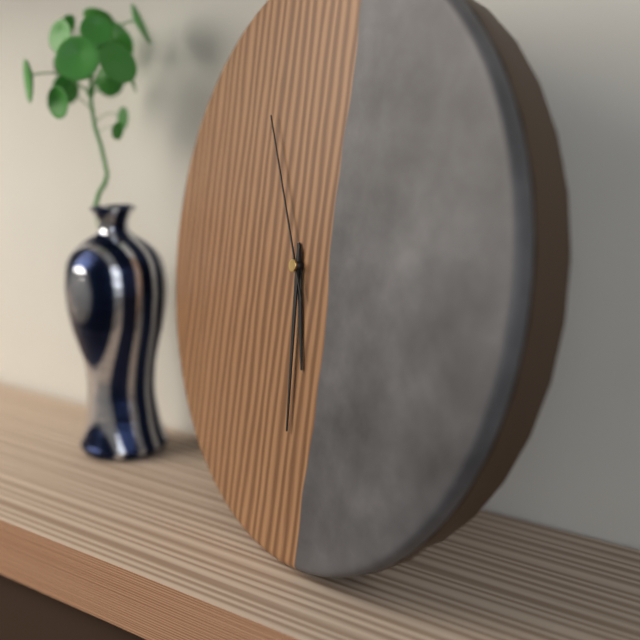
5:29:55
